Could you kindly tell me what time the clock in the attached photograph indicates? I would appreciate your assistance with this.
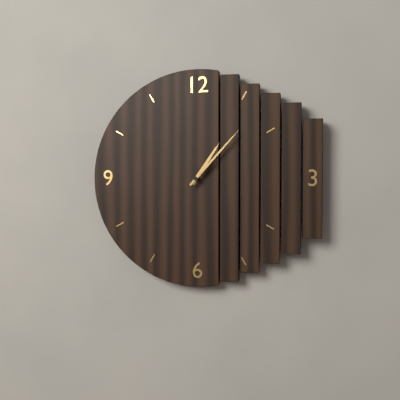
1:07
